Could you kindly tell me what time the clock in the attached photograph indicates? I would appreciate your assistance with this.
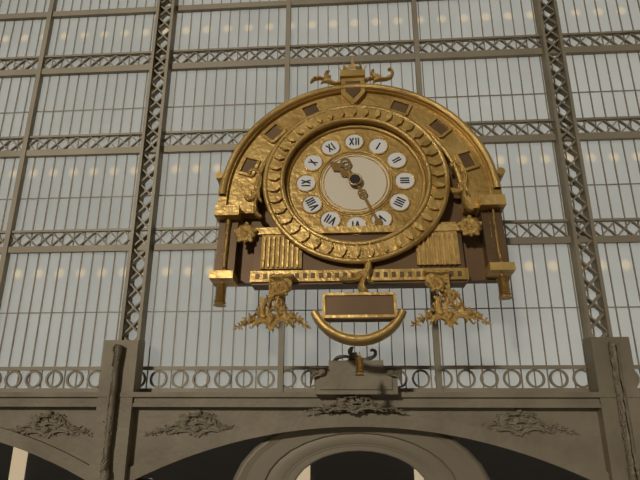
10:26
